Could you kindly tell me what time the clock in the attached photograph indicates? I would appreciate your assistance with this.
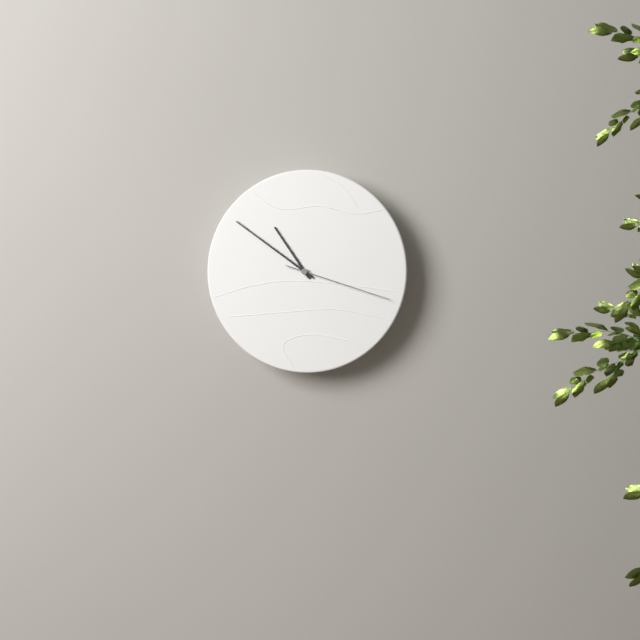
10:51:18
